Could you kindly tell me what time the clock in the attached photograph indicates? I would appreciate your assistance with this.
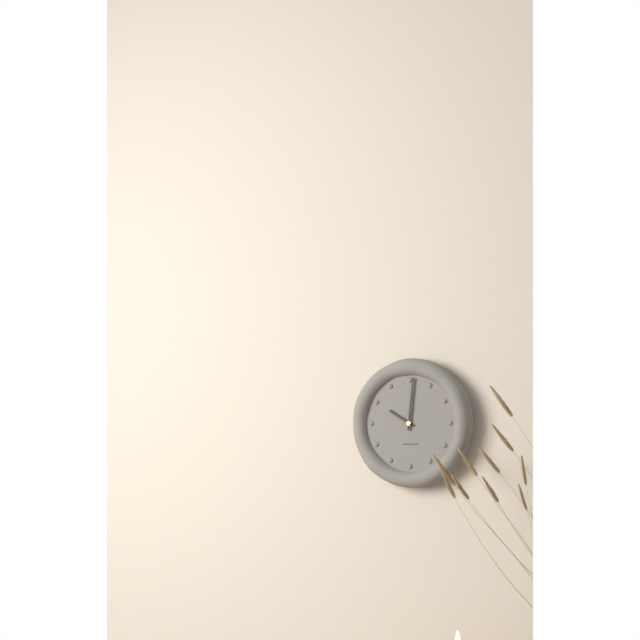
10:01
